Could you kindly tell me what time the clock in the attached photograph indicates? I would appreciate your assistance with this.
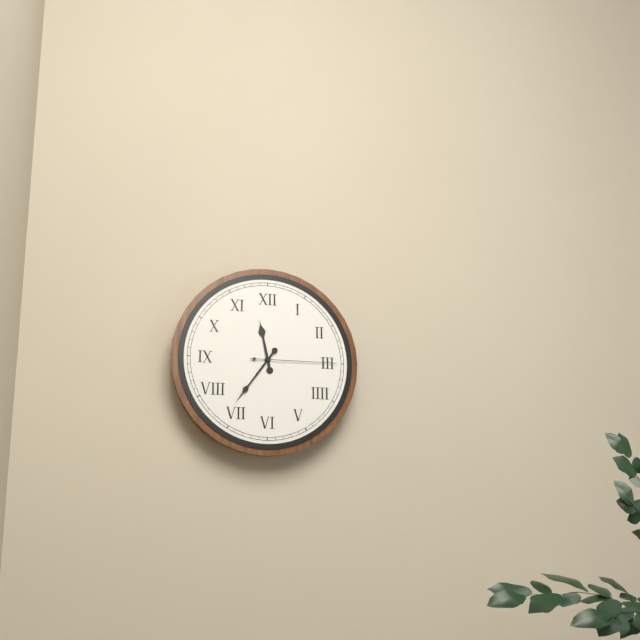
11:36:15
